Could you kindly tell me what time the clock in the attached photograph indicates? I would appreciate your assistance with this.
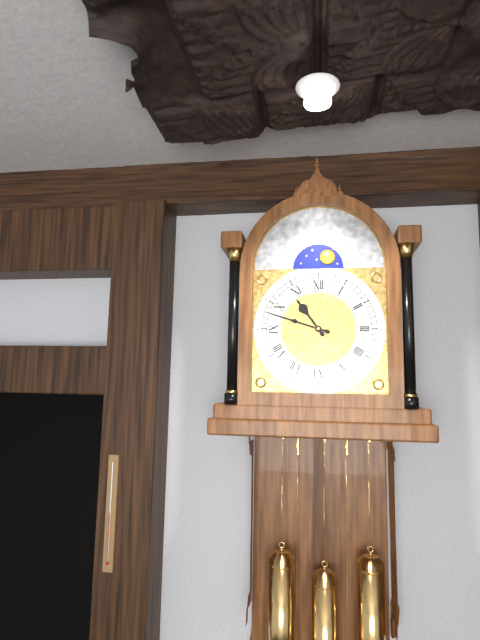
10:48
